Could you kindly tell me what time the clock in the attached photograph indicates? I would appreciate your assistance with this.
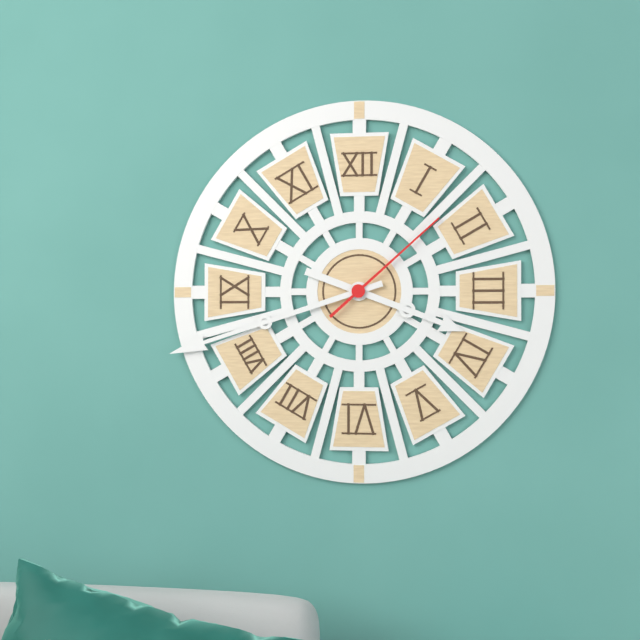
3:42:08
